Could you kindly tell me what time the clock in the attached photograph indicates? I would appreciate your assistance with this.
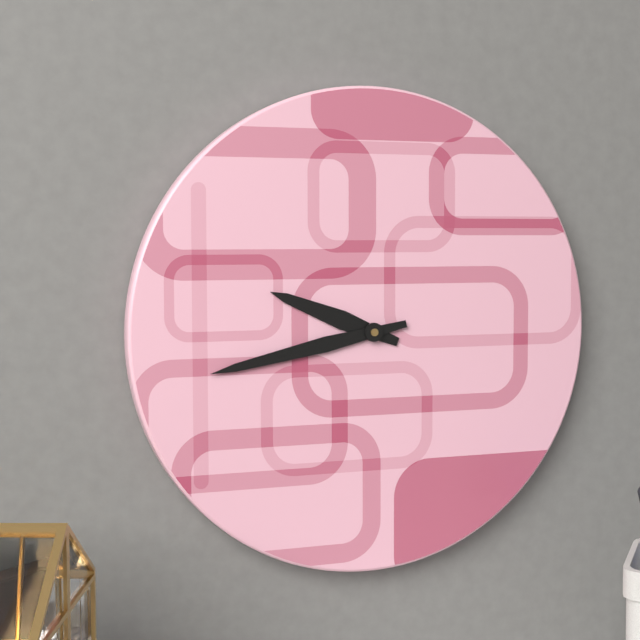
9:43
